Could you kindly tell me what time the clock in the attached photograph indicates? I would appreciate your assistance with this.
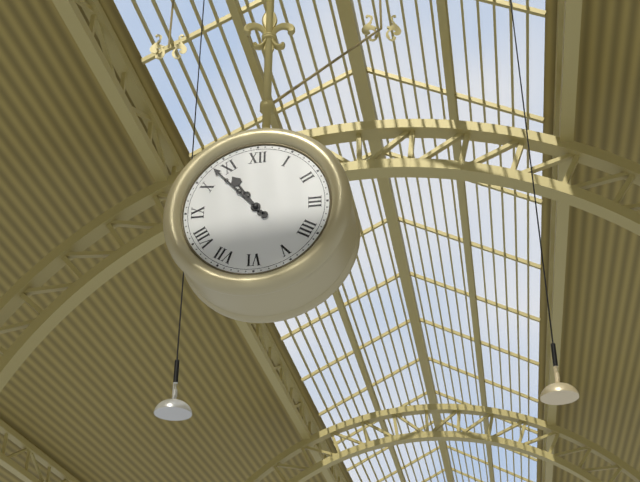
10:53
